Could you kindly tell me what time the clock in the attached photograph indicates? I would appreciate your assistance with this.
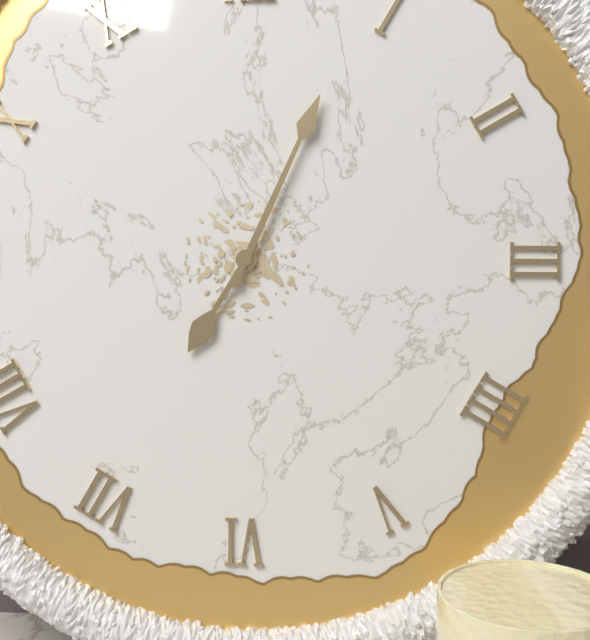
7:04
